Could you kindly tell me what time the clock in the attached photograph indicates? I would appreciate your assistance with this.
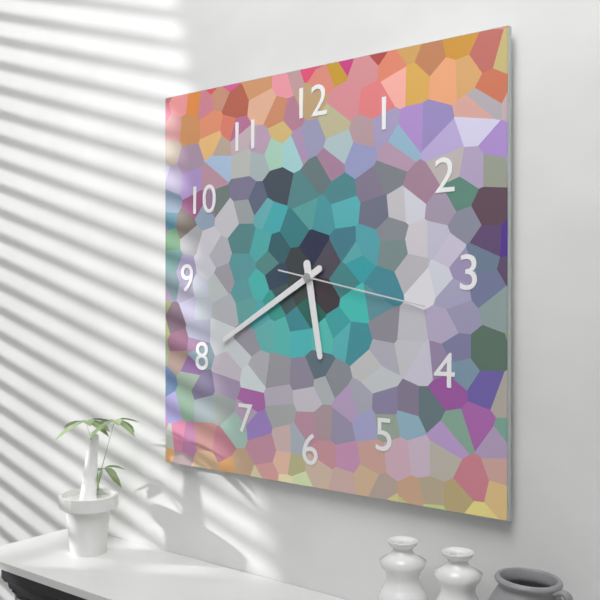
5:40:17
